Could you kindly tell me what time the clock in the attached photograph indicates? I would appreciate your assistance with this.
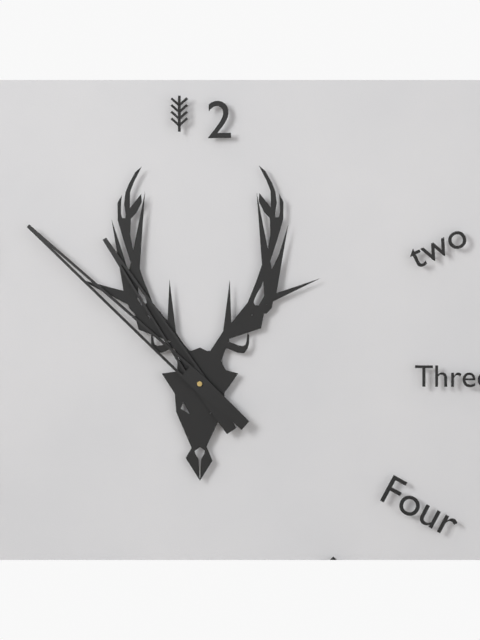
10:52
